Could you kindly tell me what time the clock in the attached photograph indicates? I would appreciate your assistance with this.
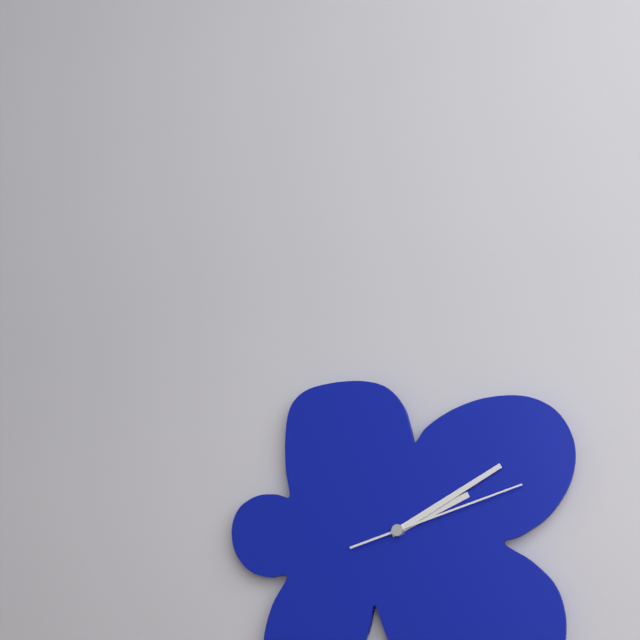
2:10:12
